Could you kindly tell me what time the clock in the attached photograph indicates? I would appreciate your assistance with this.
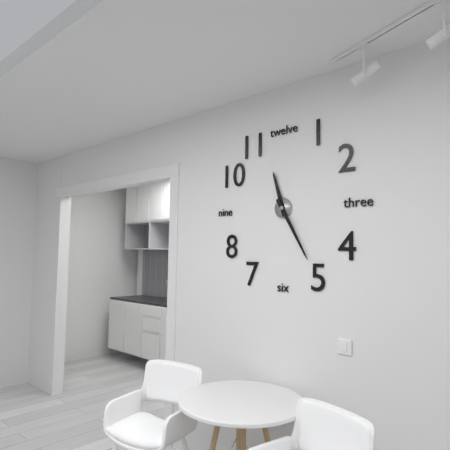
11:25
